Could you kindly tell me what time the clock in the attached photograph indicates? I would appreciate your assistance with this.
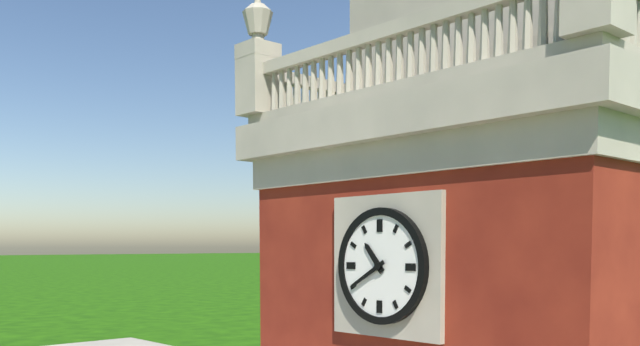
10:40
